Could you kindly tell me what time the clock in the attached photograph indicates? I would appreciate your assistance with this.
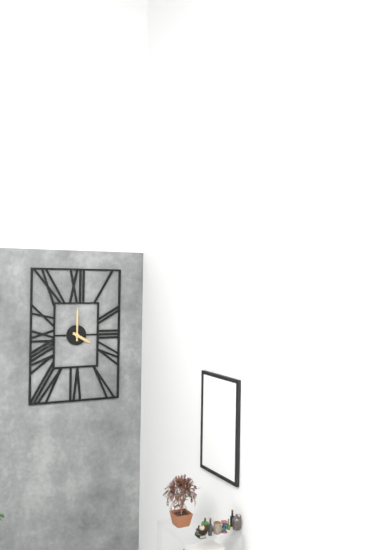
4:00
